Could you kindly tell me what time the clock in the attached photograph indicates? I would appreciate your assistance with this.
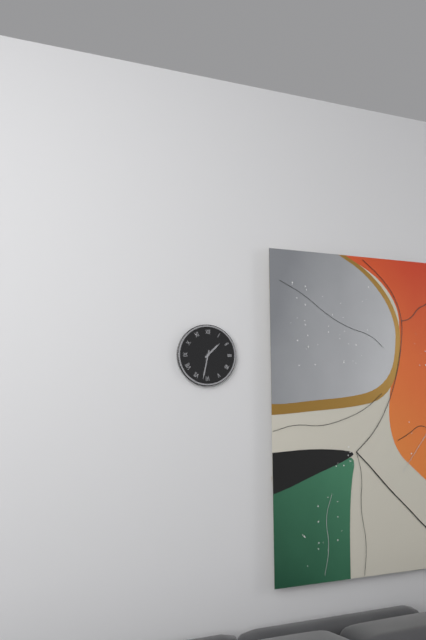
1:32
